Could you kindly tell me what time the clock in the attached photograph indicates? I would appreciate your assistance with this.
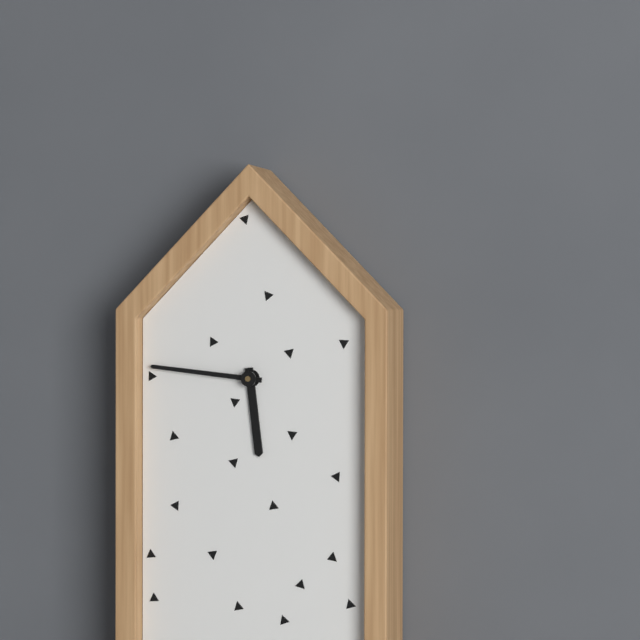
5:46
